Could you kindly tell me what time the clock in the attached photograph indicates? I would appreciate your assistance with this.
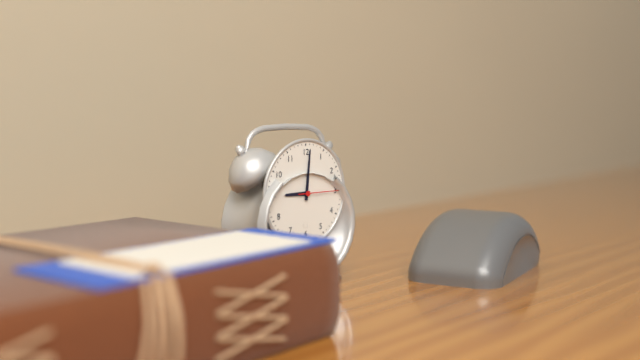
9:01
